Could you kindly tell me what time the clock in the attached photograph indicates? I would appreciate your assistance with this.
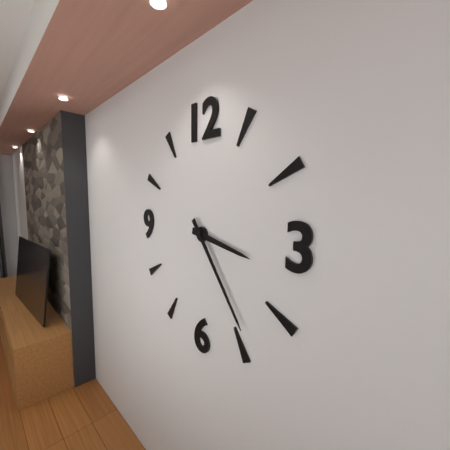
3:24
